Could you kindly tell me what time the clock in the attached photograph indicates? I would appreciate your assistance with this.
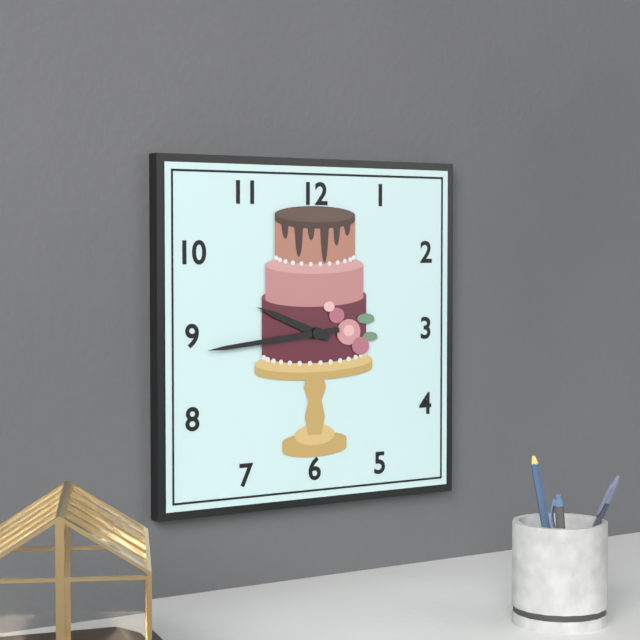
9:44
